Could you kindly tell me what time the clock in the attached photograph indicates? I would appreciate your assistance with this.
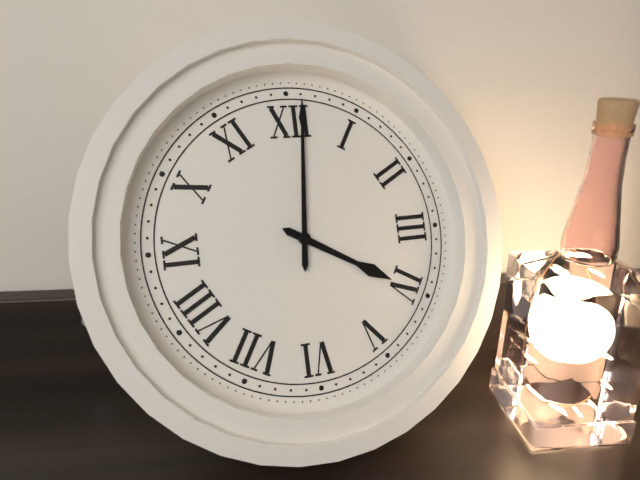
4:01
